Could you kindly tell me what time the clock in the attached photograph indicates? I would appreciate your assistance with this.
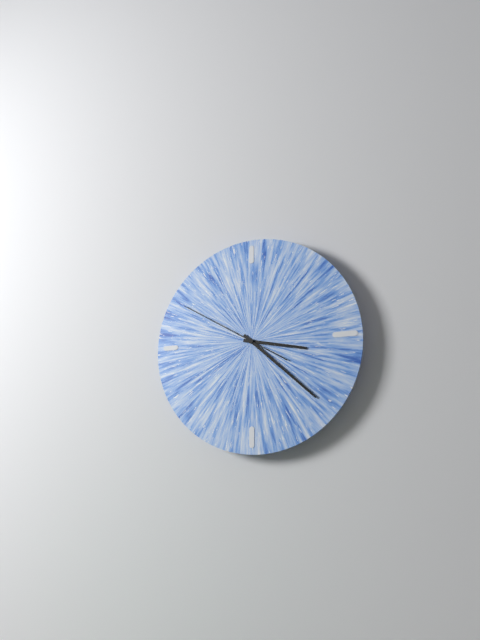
3:22:50
